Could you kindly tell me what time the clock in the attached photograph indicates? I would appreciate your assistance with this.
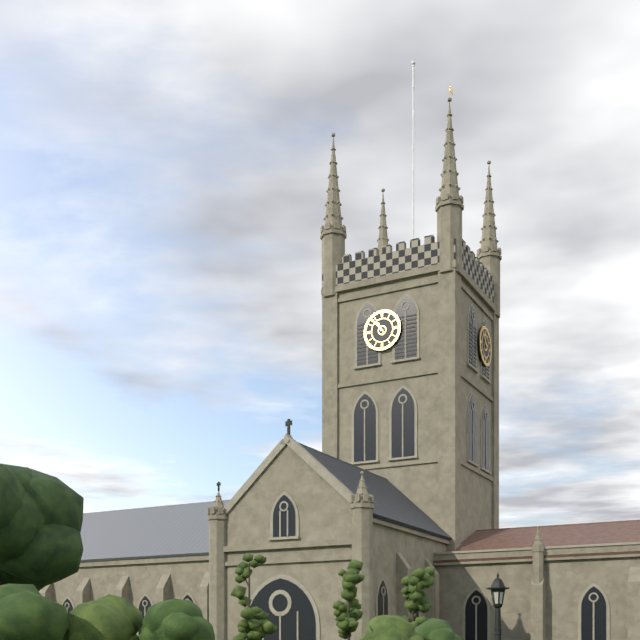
10:53
